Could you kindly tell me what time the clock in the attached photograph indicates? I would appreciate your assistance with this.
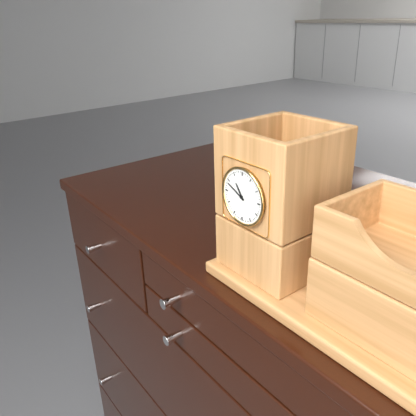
10:49
